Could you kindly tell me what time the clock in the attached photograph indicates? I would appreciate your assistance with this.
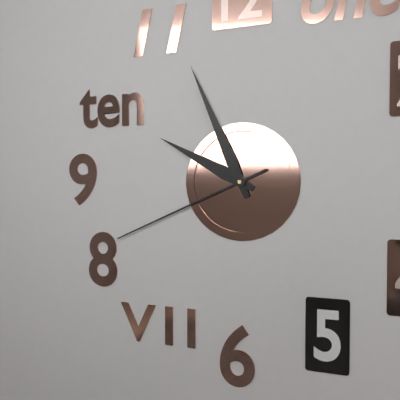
9:56:41
